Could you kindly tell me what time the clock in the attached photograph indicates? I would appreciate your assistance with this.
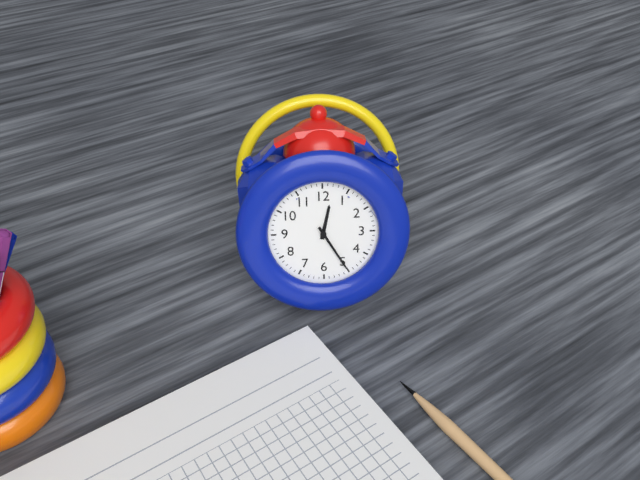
12:25
